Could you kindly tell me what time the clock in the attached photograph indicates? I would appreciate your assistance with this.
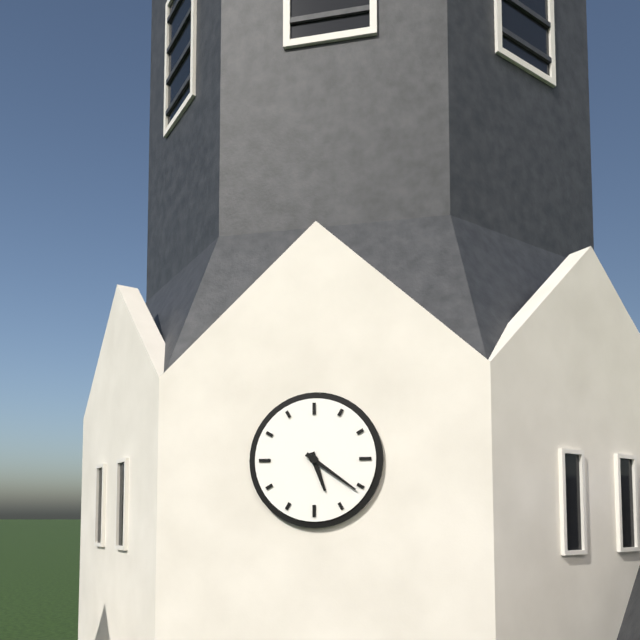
5:21
